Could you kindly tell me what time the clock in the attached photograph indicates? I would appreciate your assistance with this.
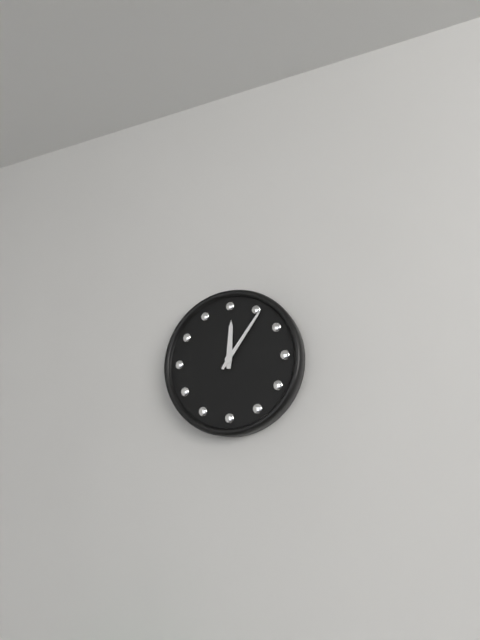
12:06
